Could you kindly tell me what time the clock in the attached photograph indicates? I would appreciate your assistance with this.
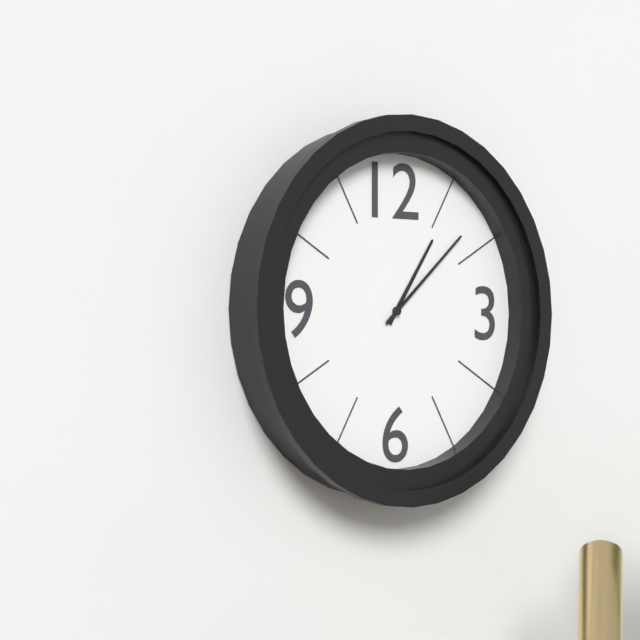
1:08
